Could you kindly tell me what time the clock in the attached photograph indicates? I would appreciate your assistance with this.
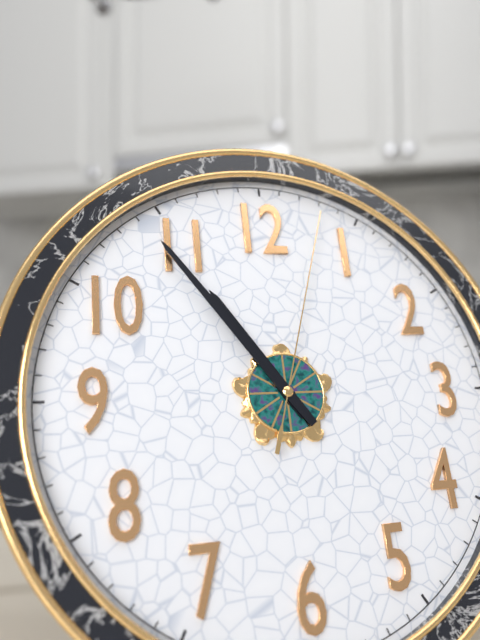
10:54:03
